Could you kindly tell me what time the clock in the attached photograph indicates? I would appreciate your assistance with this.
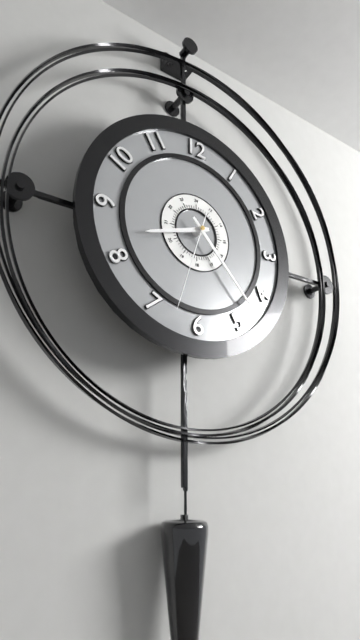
8:23:33
